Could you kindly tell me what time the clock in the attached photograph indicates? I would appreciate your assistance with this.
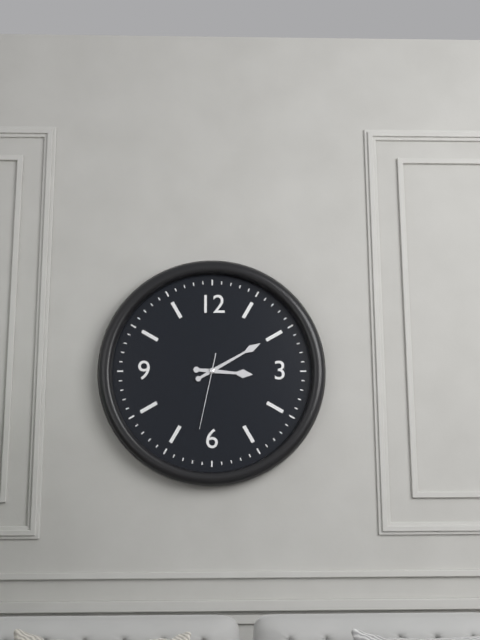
3:10:32
